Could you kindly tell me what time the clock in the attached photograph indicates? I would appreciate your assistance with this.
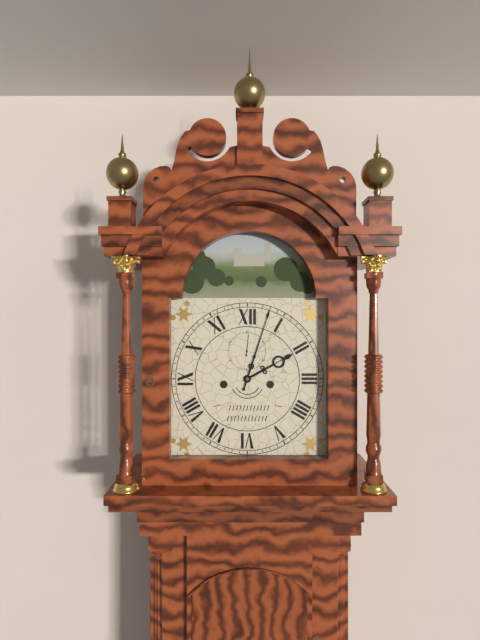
2:03
